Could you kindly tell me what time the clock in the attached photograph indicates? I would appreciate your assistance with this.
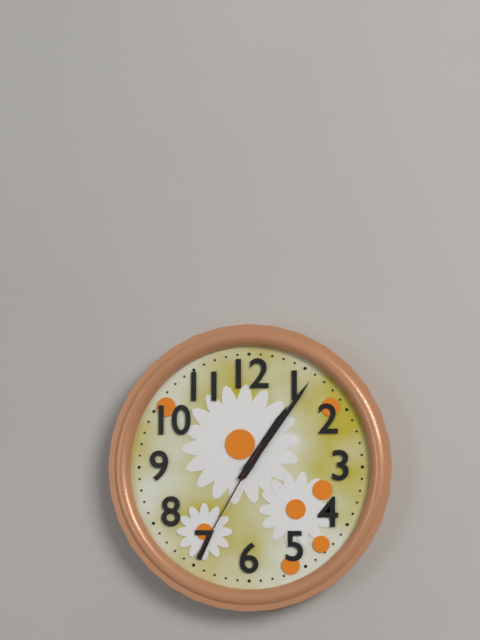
1:06:35
